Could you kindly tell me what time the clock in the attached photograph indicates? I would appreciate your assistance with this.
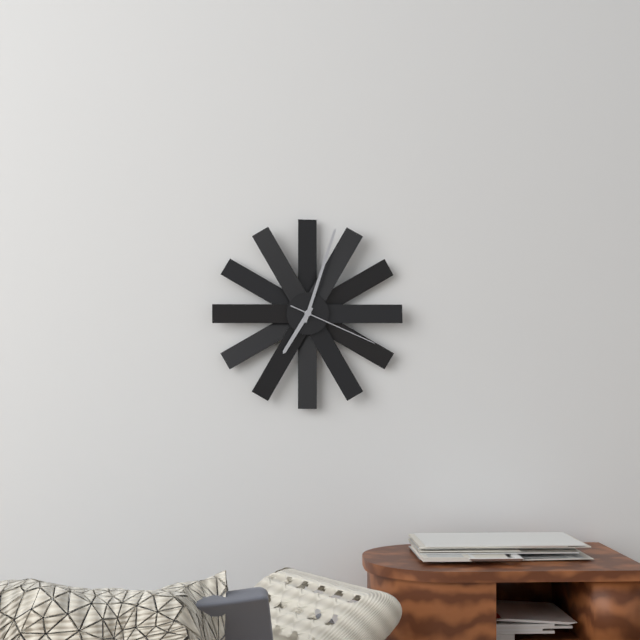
7:03:19
